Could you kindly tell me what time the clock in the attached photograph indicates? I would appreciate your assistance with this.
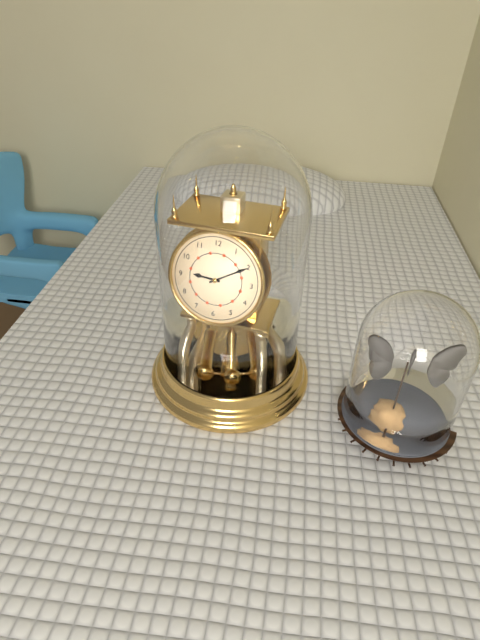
9:10
